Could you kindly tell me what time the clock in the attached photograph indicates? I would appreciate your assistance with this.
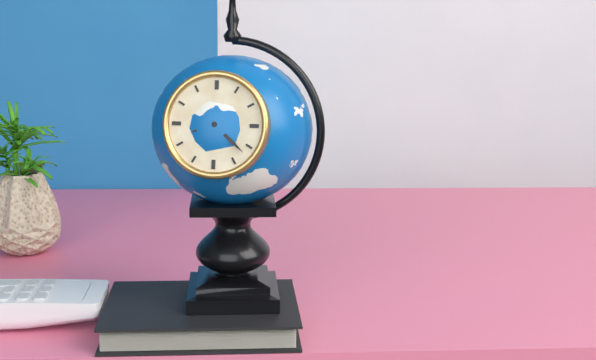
8:22
